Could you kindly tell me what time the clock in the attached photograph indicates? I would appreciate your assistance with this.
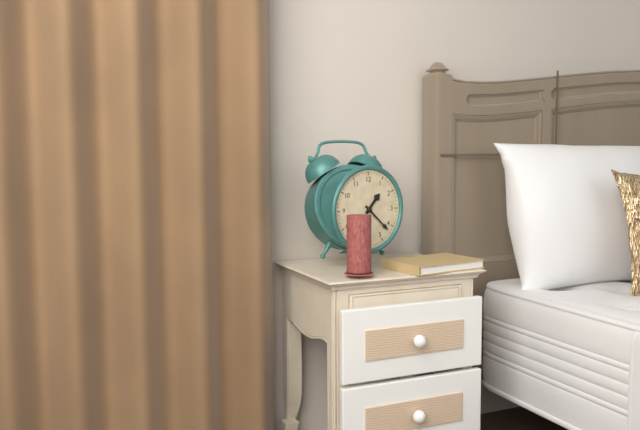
1:22
